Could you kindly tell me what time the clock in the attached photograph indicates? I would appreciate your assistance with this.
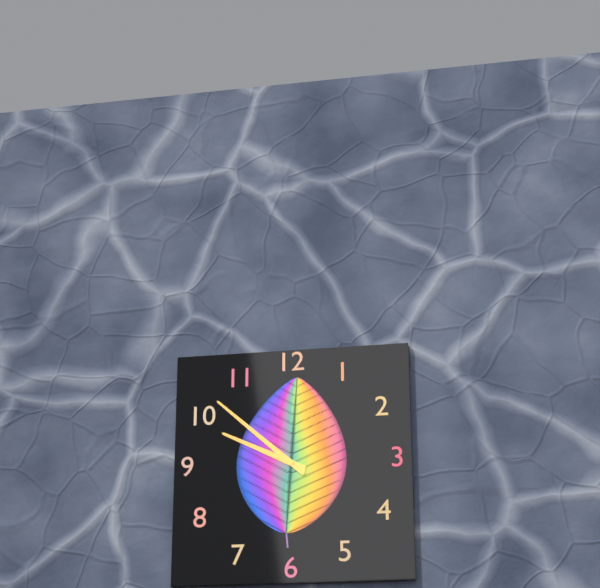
9:52
